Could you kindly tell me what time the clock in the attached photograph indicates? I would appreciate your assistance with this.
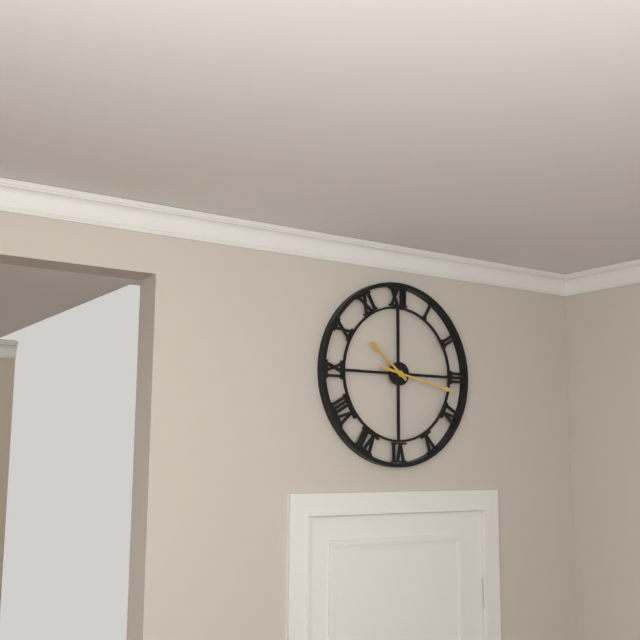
10:17
